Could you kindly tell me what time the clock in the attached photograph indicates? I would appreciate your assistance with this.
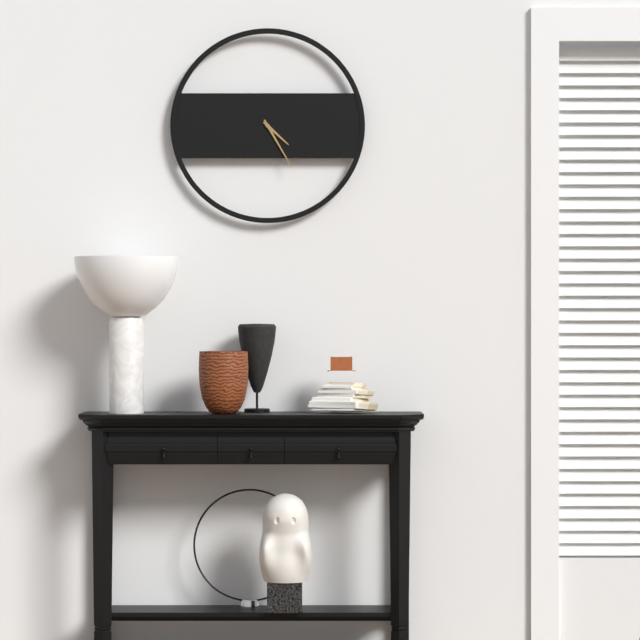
4:25
